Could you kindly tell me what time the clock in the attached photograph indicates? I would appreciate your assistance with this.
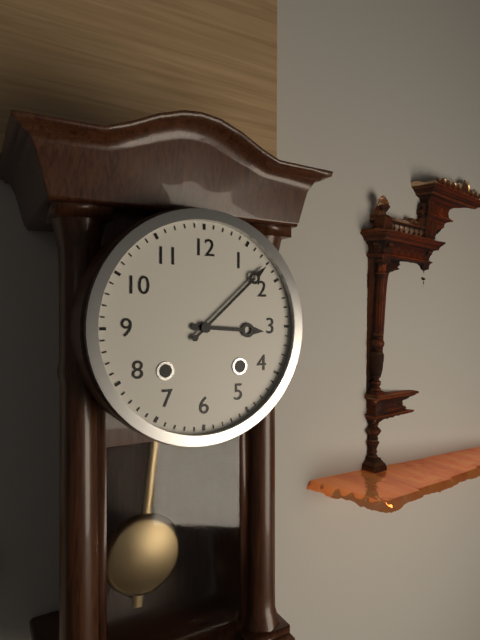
3:08
